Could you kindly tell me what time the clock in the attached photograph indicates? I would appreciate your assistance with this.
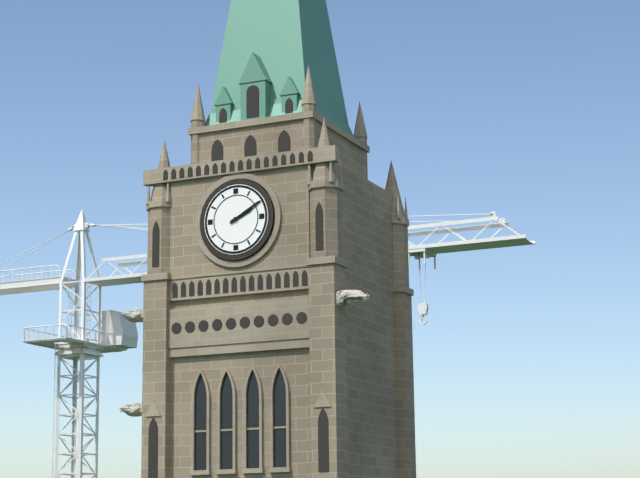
2:10
